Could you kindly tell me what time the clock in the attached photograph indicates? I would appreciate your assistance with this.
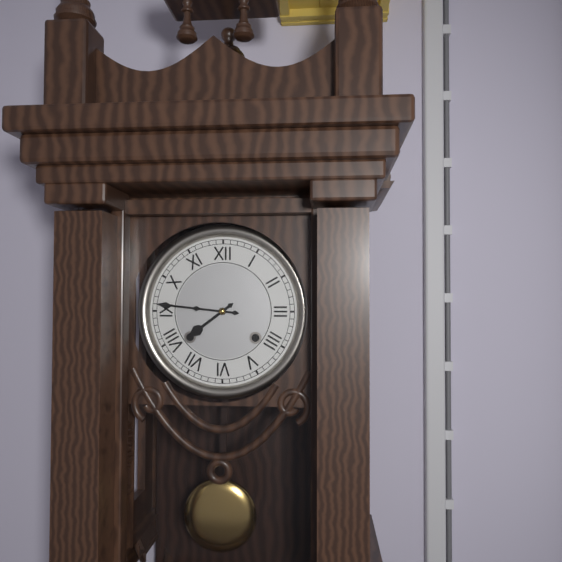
7:46
